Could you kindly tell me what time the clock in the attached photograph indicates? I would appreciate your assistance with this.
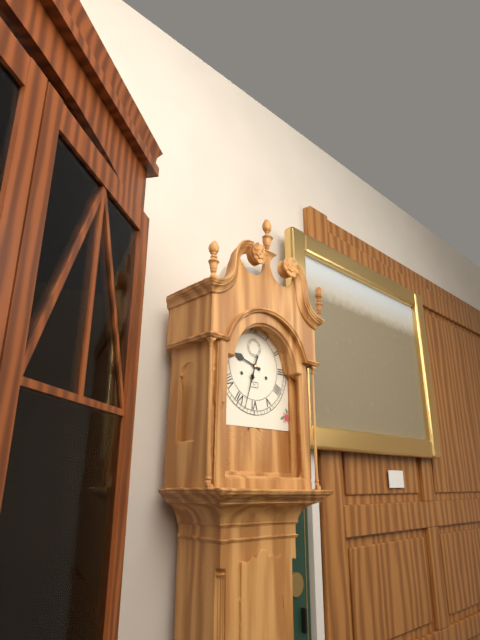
9:33
